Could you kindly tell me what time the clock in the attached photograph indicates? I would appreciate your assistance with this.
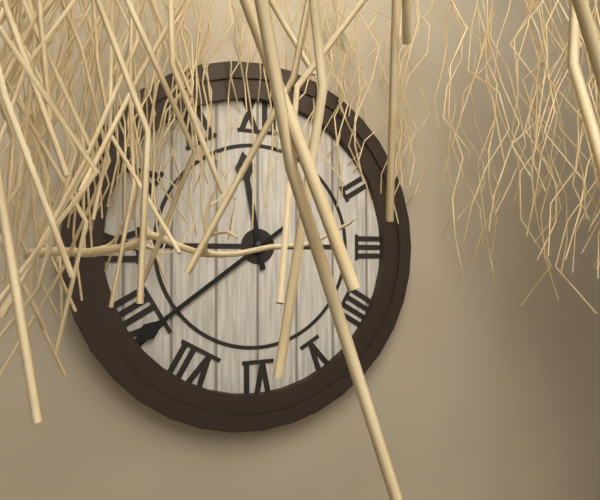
11:39
